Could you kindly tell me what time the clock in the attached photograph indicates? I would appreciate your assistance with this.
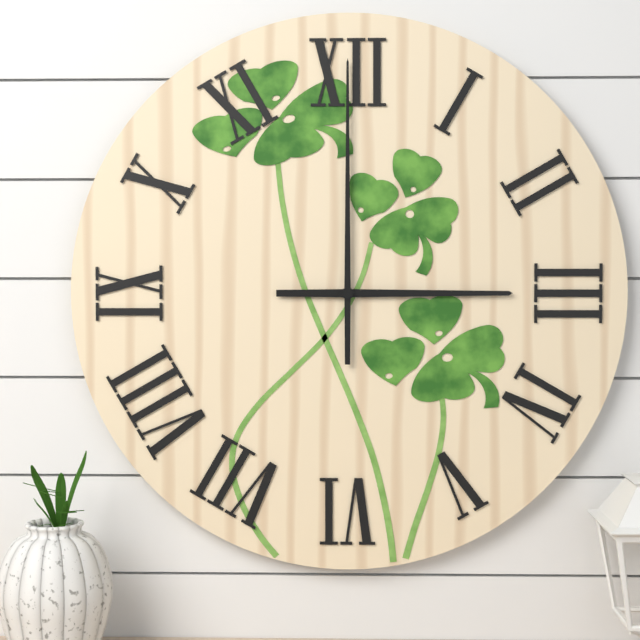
3:00
